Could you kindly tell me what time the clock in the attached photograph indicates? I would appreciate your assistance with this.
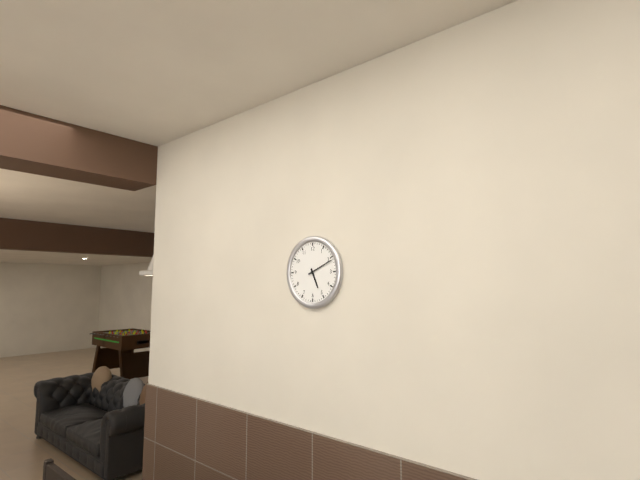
5:11
